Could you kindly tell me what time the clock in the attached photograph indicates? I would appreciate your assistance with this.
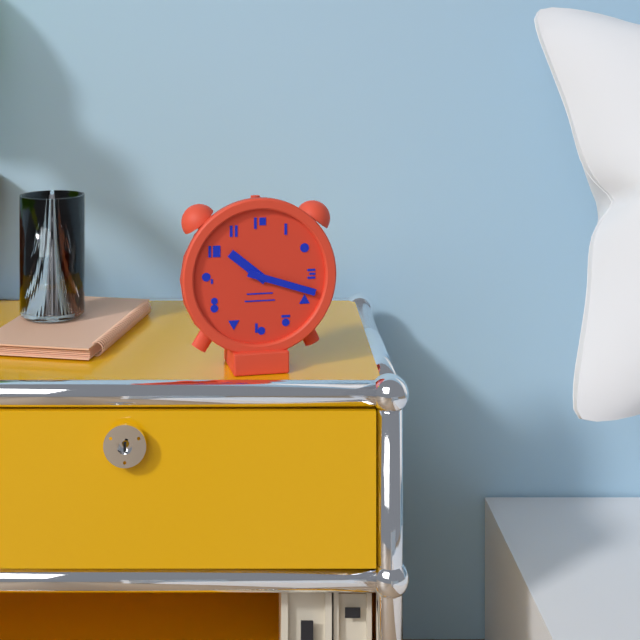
10:18
